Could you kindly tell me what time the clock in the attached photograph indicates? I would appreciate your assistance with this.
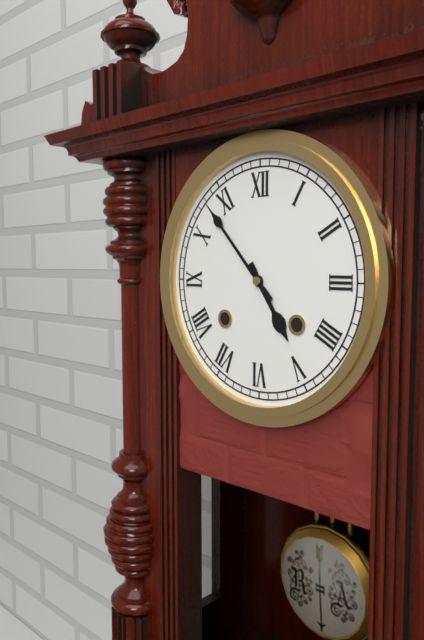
4:53
